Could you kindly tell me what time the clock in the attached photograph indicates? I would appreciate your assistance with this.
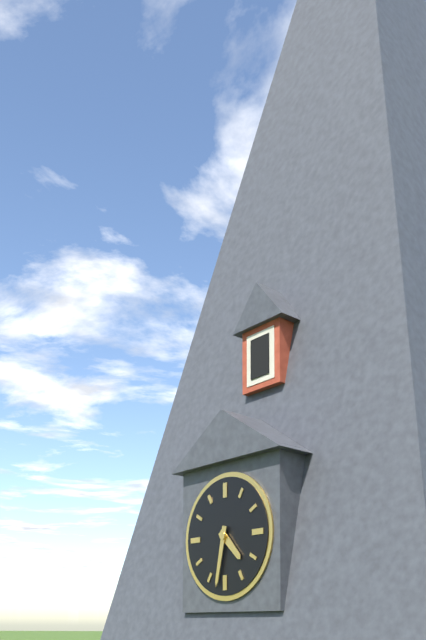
4:32
